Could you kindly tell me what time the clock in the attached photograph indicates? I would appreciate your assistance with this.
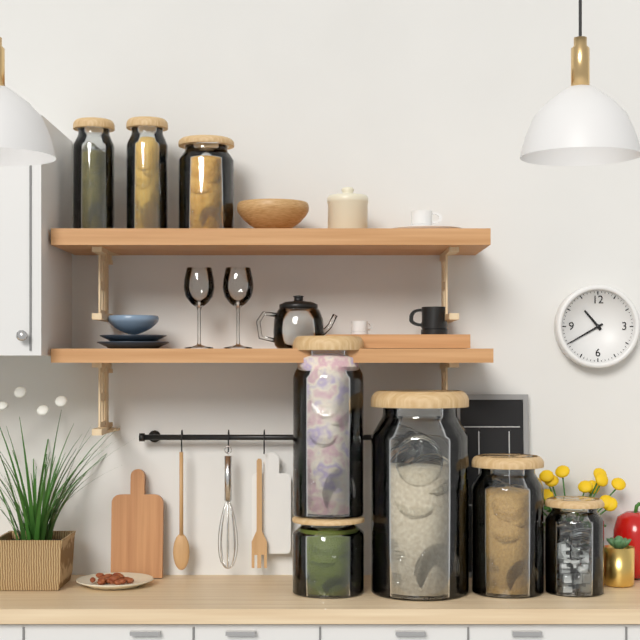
10:40
